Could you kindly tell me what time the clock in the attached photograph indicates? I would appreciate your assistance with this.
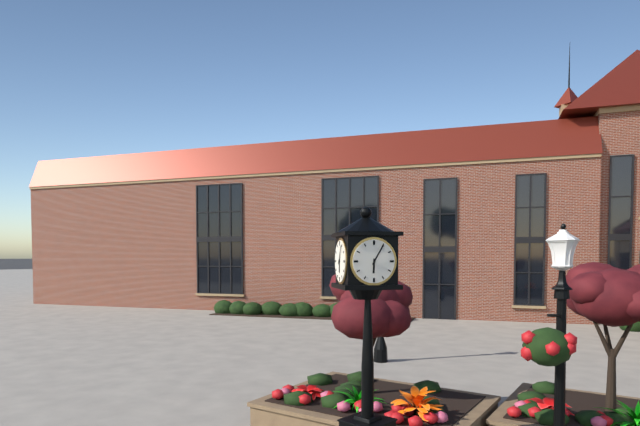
6:05
